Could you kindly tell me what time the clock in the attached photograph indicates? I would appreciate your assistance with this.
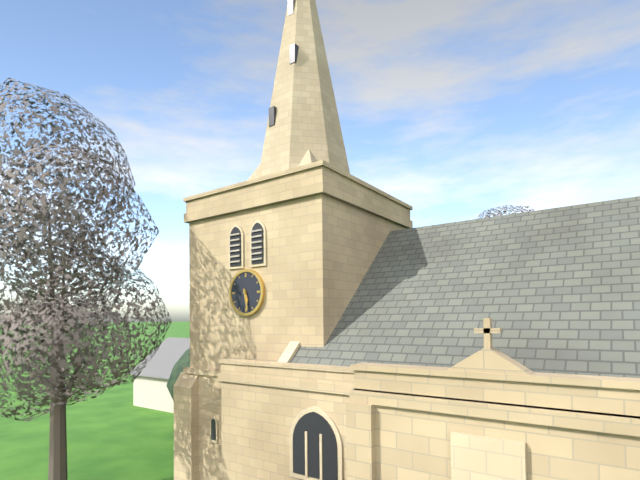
5:28
